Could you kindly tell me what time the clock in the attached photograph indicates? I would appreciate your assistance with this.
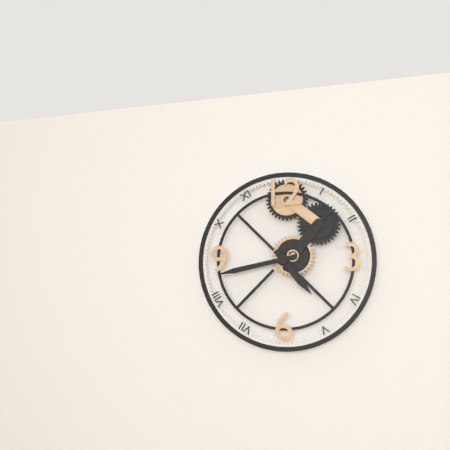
4:43
